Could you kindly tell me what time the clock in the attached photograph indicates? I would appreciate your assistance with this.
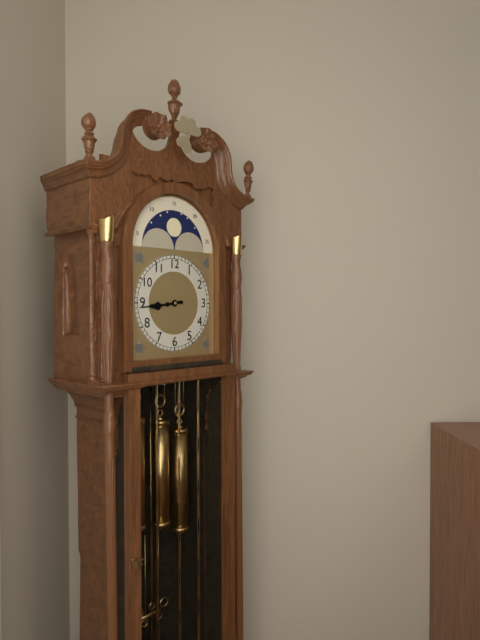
8:44
